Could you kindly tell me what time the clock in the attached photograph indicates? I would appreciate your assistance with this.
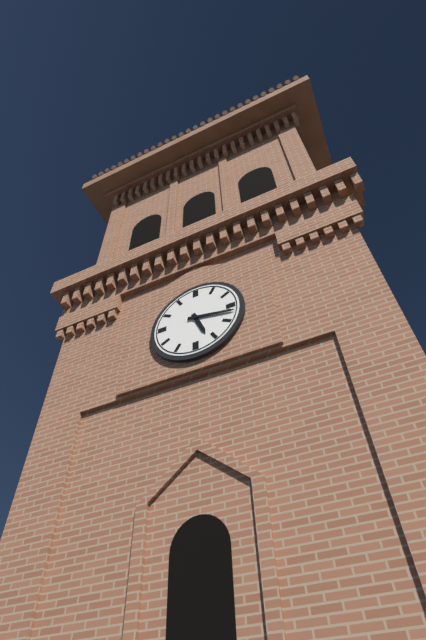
5:17
